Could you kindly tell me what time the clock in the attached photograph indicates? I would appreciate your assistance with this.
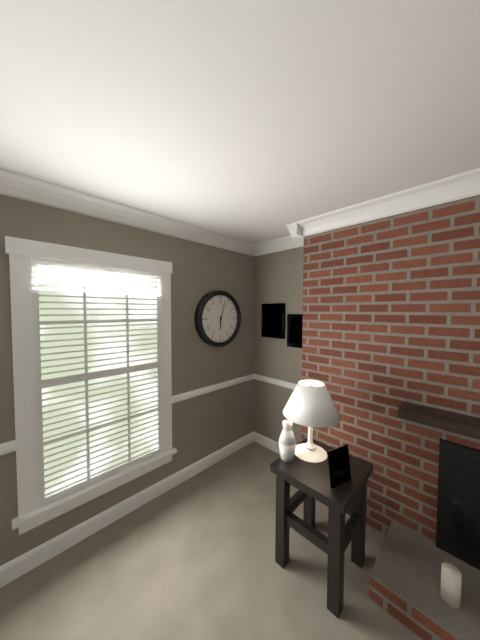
6:03
